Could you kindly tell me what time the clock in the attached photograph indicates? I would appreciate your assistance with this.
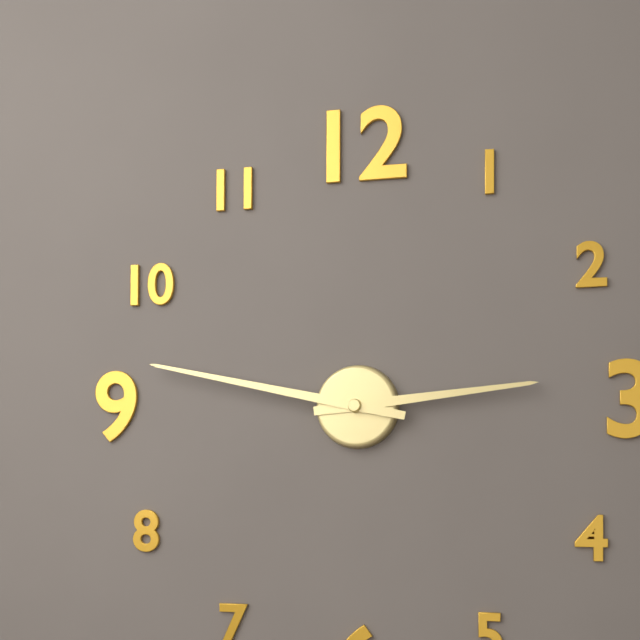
2:47
